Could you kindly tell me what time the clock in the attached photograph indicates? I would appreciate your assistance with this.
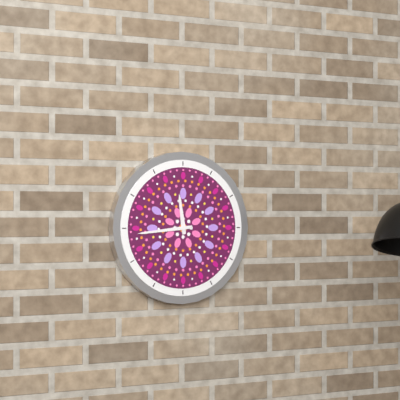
11:44
